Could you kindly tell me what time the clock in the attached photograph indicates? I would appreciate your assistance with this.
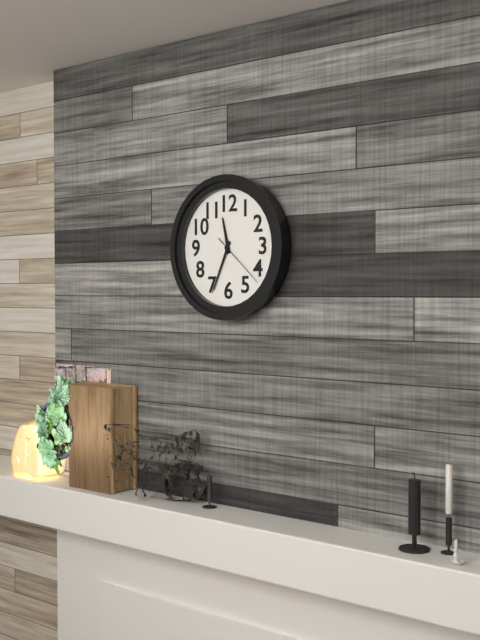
11:34:22
